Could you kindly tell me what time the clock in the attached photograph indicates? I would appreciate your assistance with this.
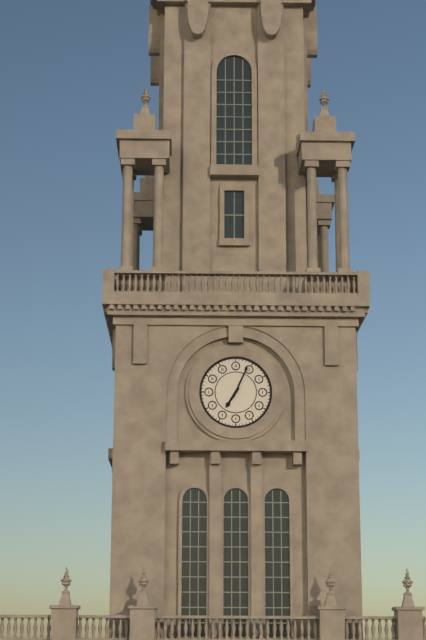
7:04
